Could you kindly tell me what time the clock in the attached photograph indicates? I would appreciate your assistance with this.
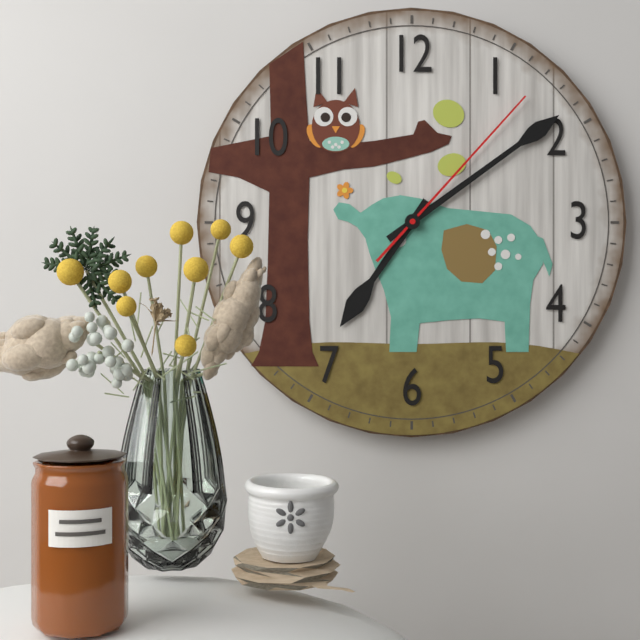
7:09:07
